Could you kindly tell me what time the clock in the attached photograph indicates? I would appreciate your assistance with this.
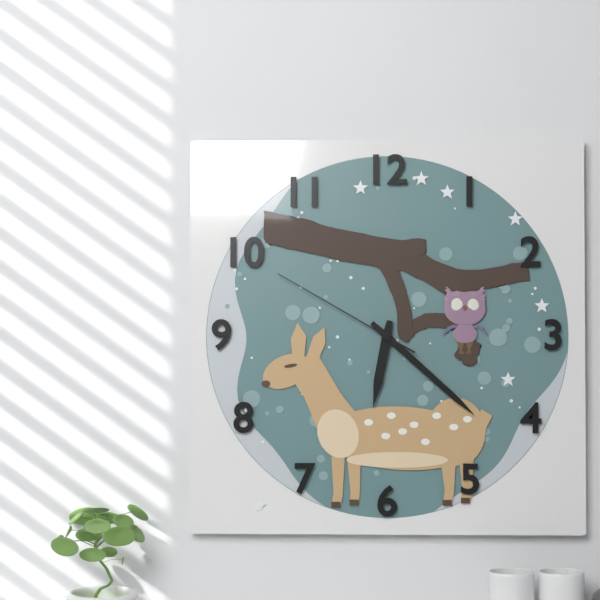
6:22:50
